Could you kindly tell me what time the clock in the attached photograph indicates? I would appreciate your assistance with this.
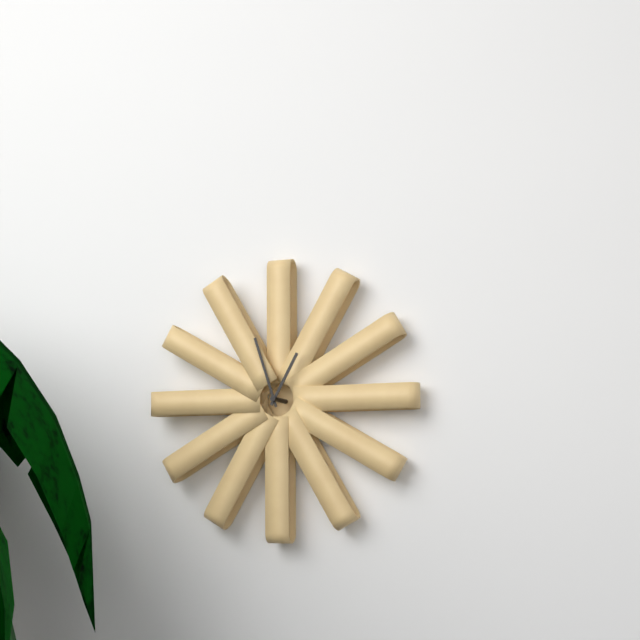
12:57
